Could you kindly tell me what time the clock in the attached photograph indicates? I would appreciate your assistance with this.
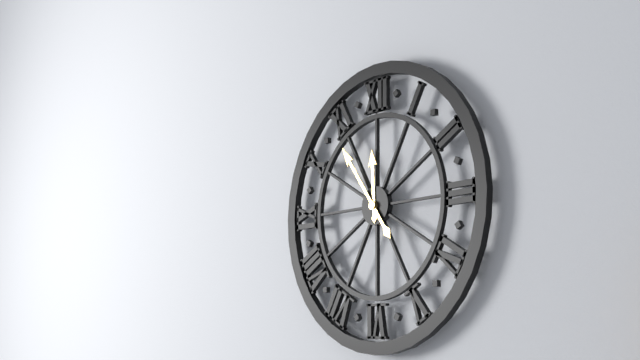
11:54
